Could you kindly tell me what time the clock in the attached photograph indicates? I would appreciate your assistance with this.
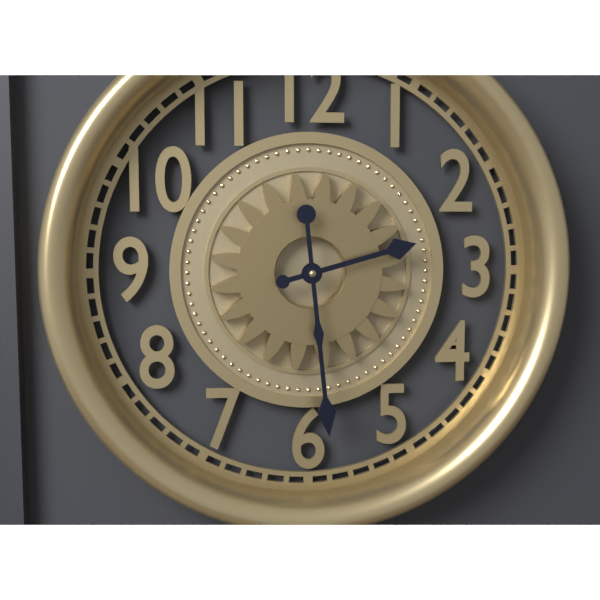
2:29
